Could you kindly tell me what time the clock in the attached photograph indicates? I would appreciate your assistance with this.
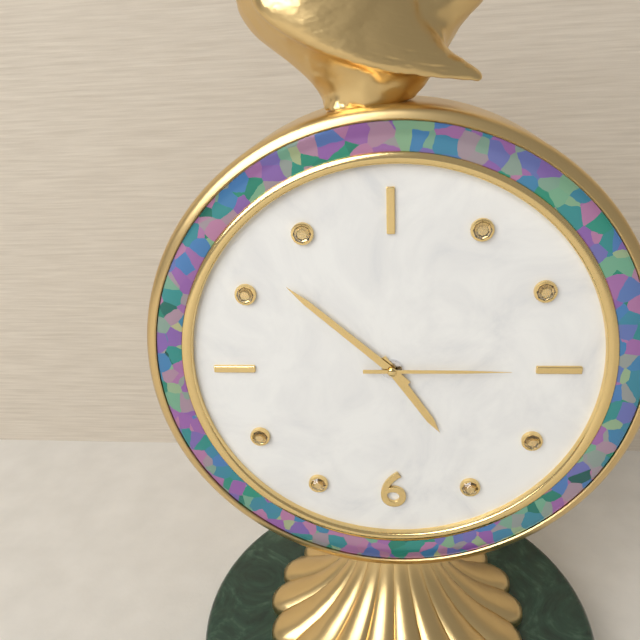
4:52:15
